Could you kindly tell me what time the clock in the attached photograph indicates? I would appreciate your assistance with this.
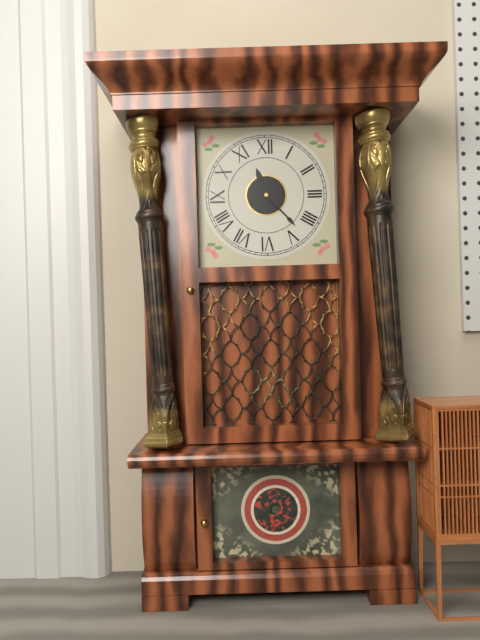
11:23
